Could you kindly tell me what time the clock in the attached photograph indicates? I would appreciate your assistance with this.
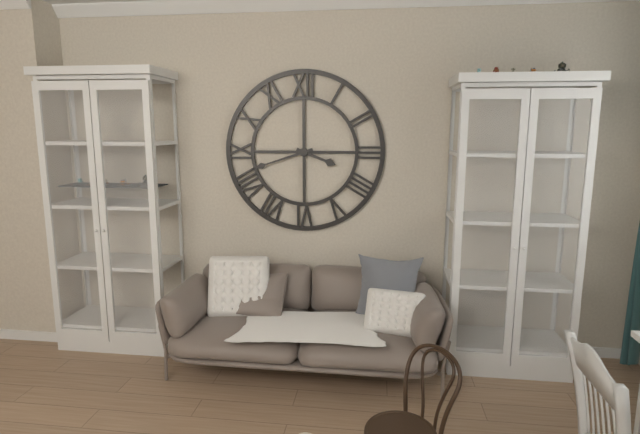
3:42
